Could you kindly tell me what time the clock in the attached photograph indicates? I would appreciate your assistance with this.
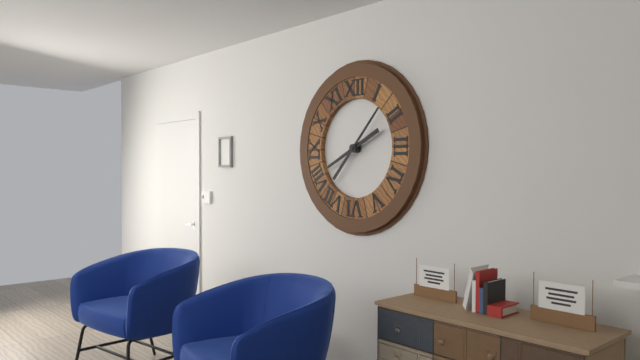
8:07
